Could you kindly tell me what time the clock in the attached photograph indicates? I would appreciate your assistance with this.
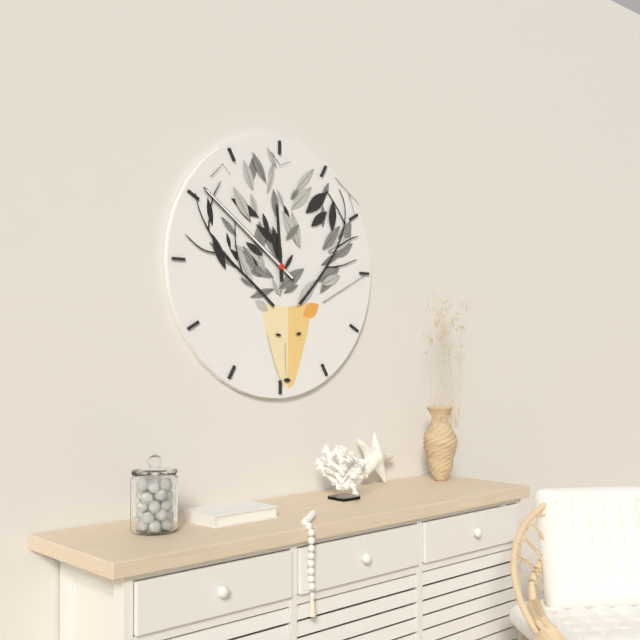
11:51
